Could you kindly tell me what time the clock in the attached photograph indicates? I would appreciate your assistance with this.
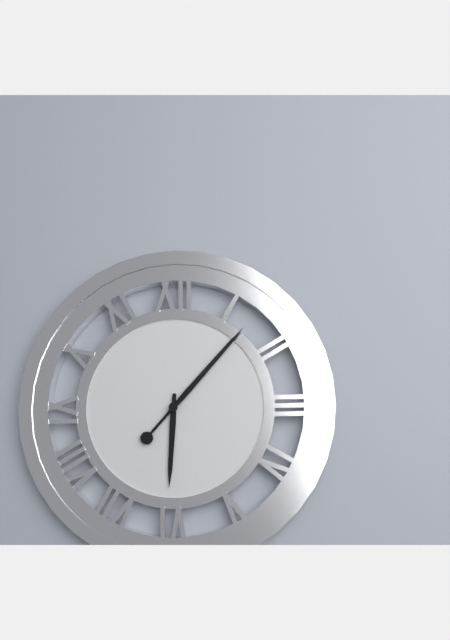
6:07
